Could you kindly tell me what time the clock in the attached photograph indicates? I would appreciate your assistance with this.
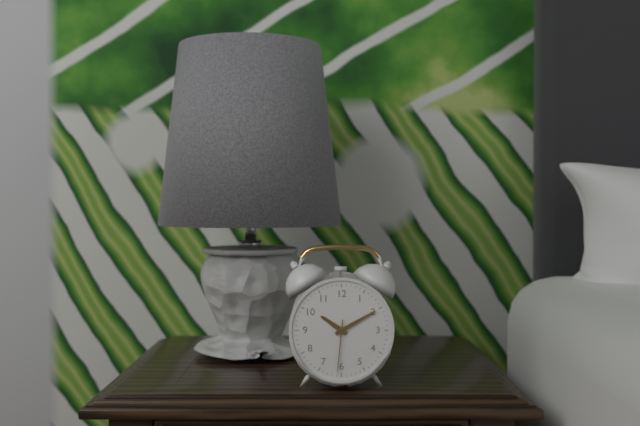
10:10:31
